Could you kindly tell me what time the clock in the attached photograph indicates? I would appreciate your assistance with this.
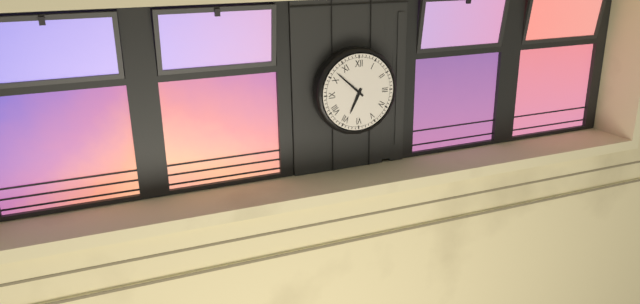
6:52
